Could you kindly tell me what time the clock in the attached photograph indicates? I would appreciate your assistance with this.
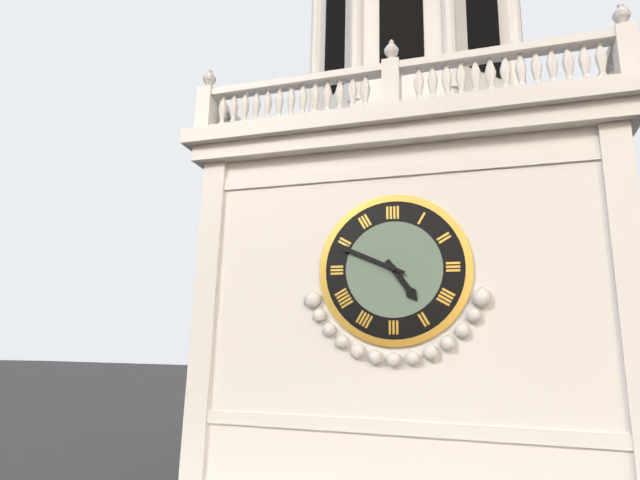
4:49
